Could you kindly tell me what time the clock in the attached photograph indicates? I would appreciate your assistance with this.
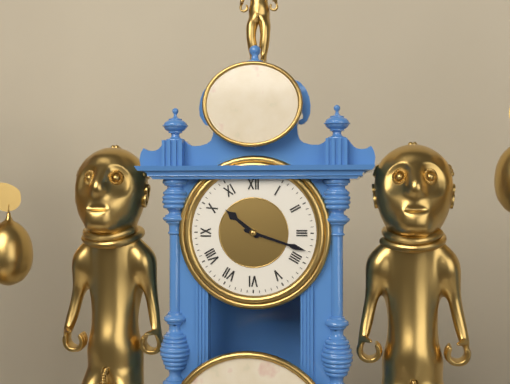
10:18
